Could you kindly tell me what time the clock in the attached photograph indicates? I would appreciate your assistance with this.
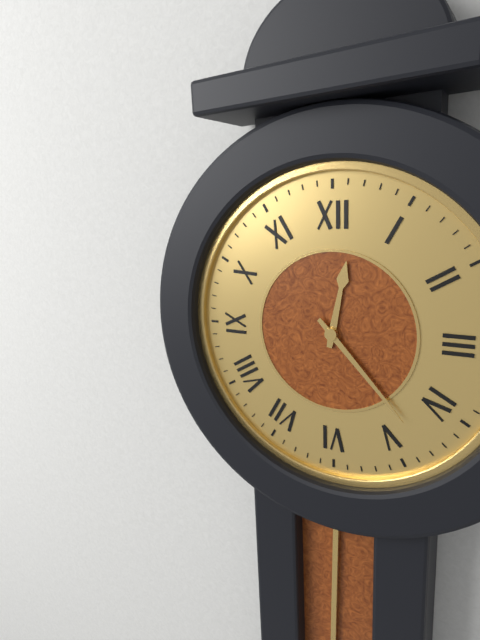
12:23
